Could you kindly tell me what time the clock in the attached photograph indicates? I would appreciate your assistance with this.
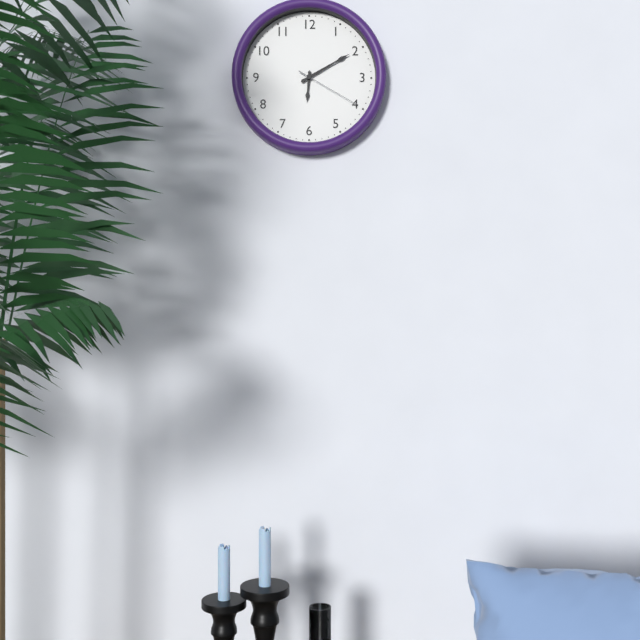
6:10:20
